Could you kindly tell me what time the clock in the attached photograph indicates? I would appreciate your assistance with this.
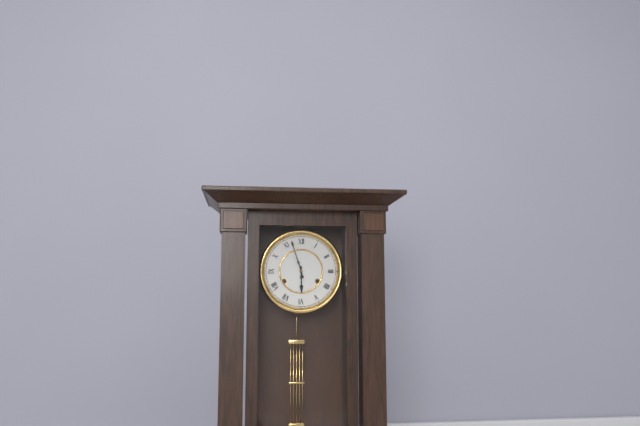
5:57
